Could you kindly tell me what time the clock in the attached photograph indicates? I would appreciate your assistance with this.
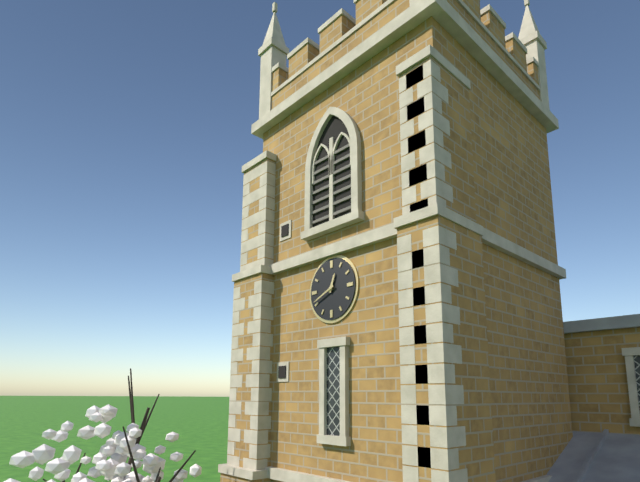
12:41
